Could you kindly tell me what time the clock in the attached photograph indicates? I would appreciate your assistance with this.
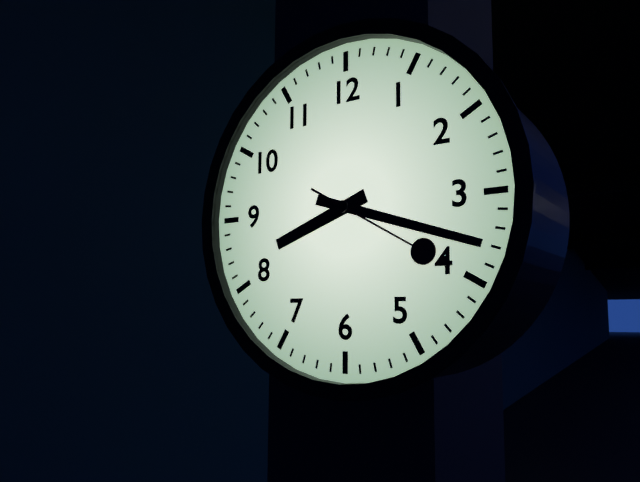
8:18:20
